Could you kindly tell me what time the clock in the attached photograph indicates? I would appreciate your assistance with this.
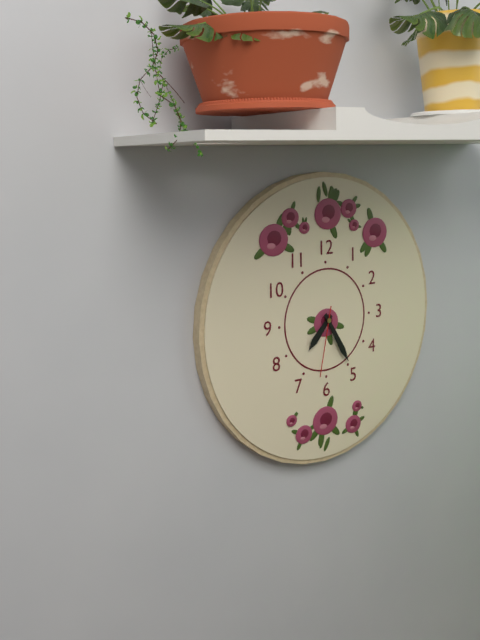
7:25:32
